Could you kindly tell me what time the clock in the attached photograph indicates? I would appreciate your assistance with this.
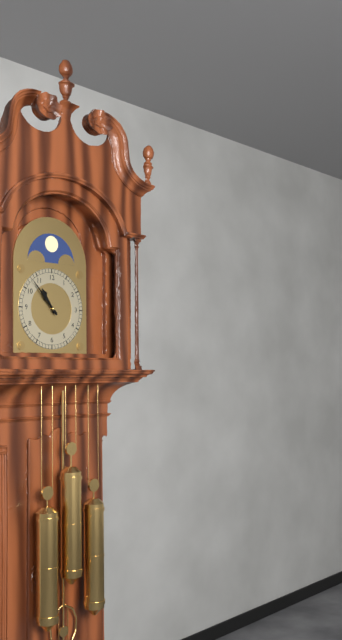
10:53
